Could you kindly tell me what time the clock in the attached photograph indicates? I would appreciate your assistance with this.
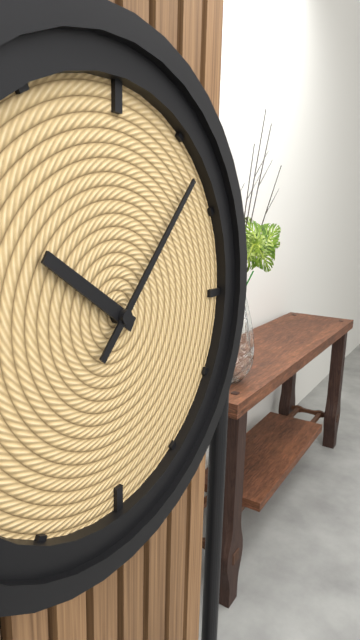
10:07
